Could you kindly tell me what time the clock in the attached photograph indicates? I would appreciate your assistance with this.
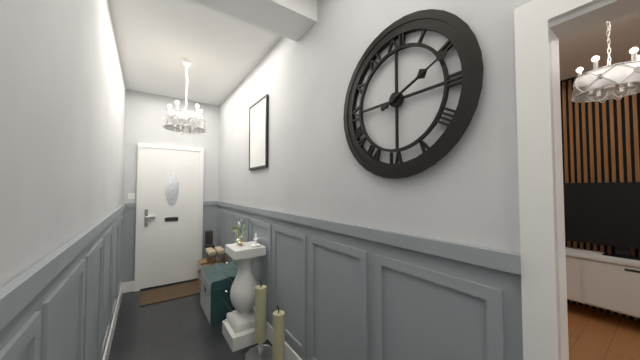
2:11
